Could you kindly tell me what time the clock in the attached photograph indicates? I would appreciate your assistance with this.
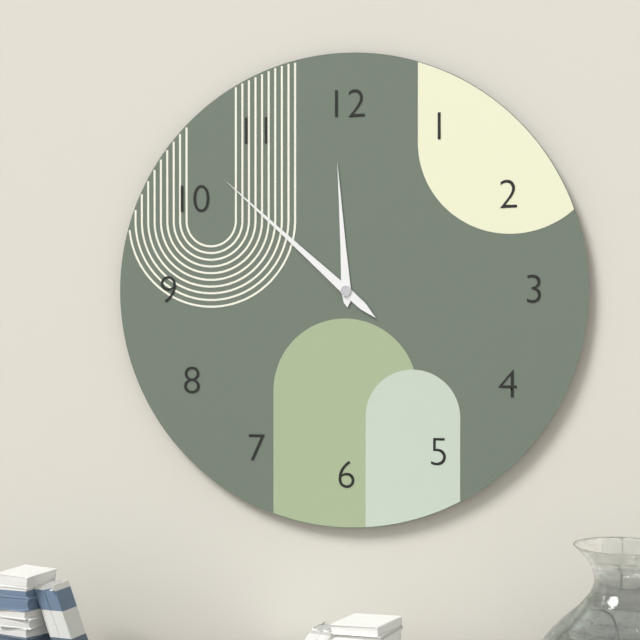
11:52
